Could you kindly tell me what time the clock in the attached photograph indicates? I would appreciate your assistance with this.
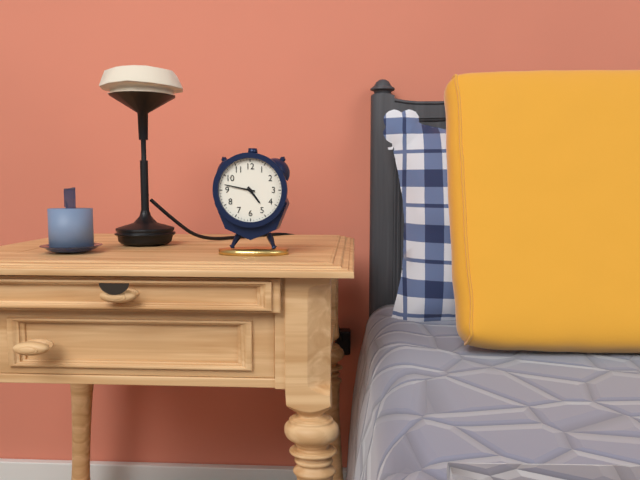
4:47
